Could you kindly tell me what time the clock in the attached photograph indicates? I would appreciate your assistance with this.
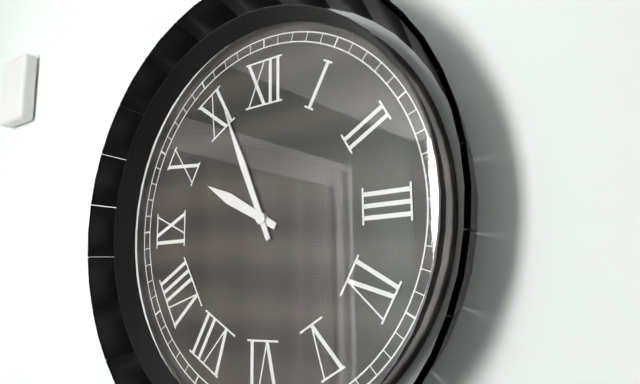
9:56
